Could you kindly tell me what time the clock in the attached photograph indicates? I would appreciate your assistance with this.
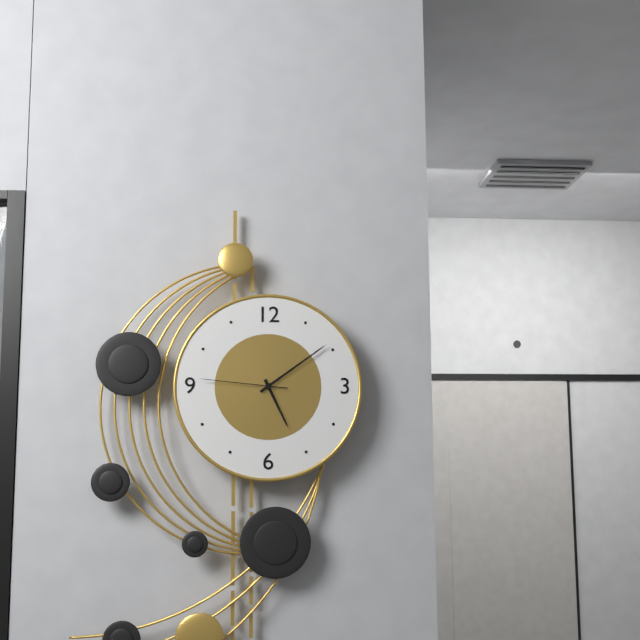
5:09:46
